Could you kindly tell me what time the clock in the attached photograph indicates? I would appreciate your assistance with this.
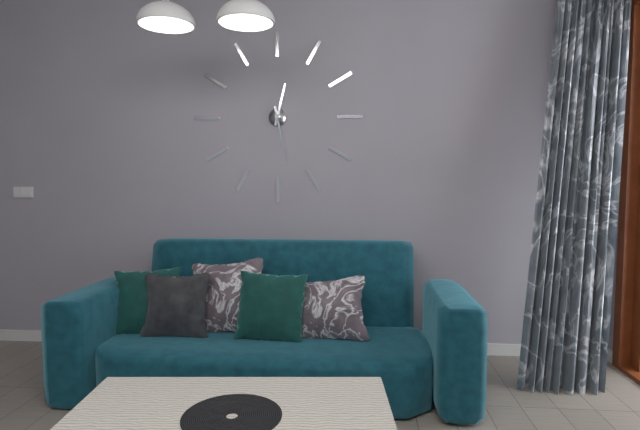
12:28
